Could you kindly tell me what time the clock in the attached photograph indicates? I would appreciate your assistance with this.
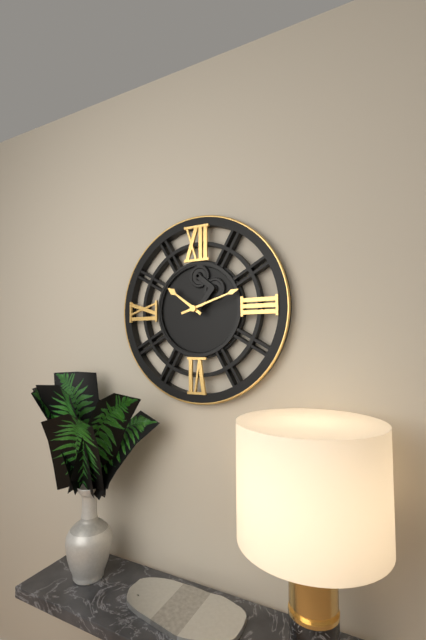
10:12
